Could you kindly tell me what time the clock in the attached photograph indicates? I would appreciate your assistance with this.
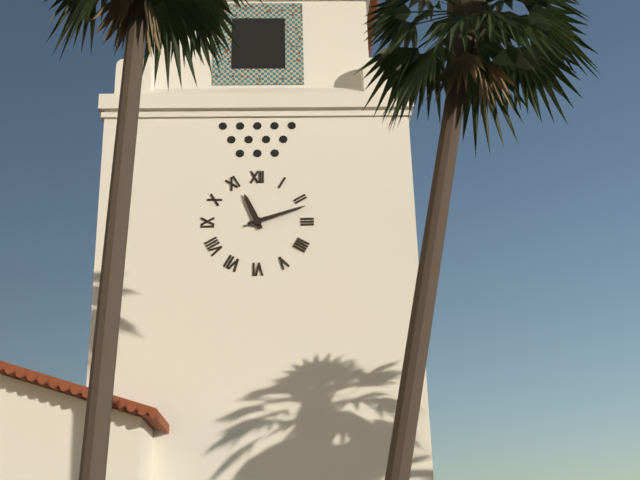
11:12
